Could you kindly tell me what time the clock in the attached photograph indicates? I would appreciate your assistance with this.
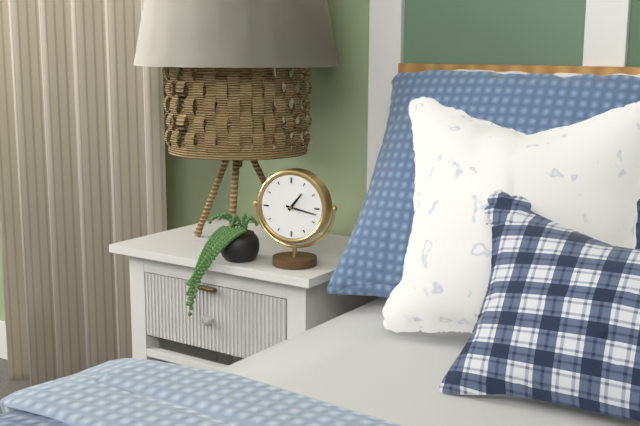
1:17
